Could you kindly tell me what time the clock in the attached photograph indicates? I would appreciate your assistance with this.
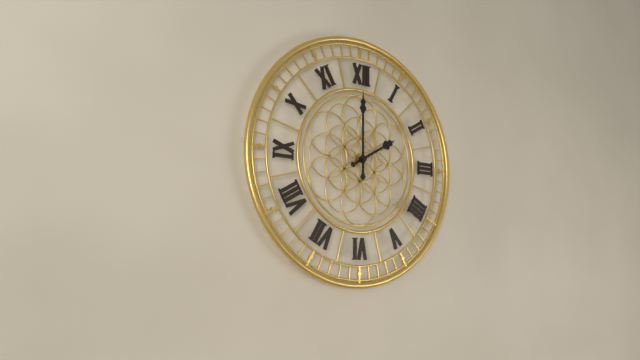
2:00
